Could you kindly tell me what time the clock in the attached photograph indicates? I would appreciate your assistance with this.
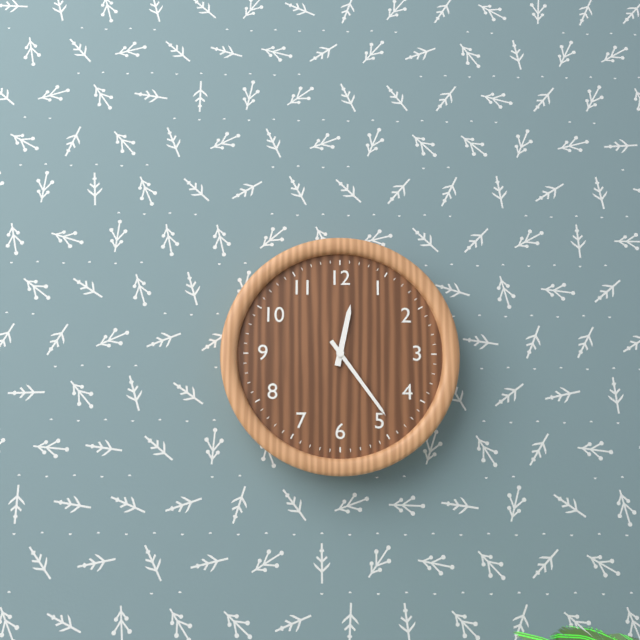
12:24
